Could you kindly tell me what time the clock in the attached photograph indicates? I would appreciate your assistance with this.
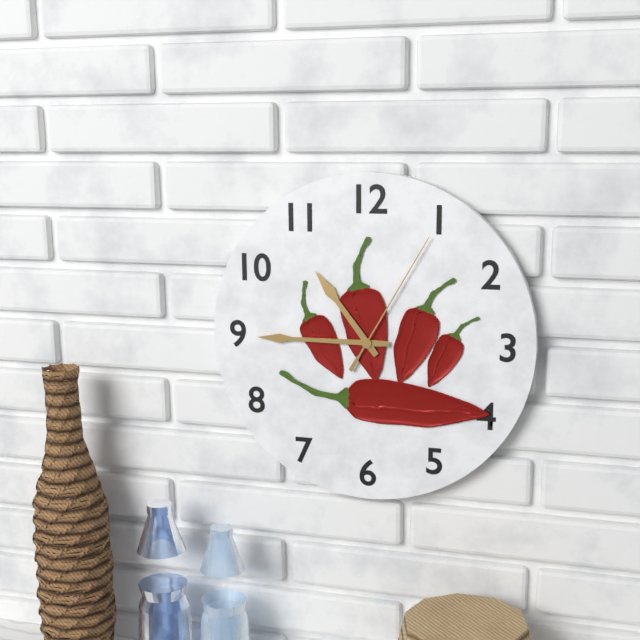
10:45:05
